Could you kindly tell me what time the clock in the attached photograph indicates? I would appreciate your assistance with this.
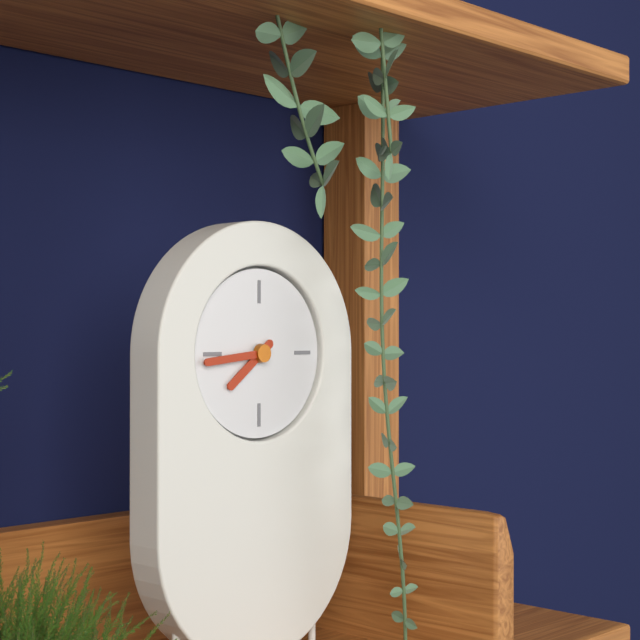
7:44
